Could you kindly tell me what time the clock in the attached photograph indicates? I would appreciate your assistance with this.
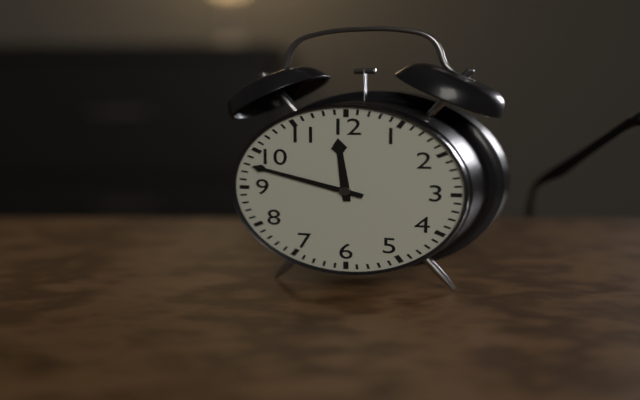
11:48
